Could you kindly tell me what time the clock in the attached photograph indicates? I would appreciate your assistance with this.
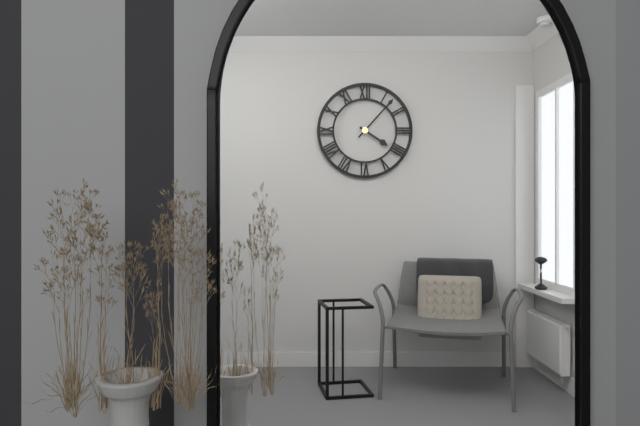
4:07
